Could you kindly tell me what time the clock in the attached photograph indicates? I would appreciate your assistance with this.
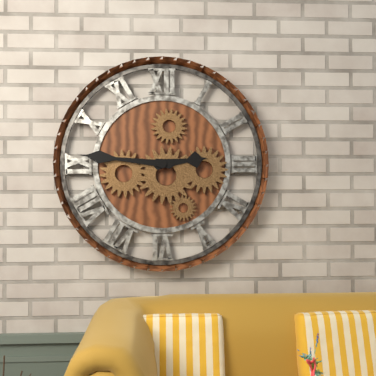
2:46
